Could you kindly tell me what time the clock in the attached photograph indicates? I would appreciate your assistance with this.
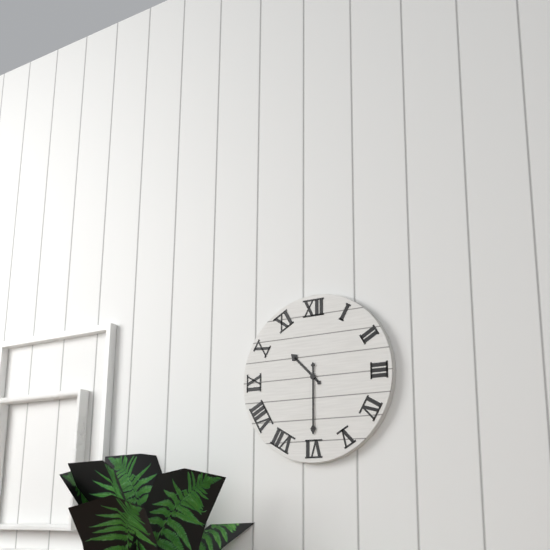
10:30
